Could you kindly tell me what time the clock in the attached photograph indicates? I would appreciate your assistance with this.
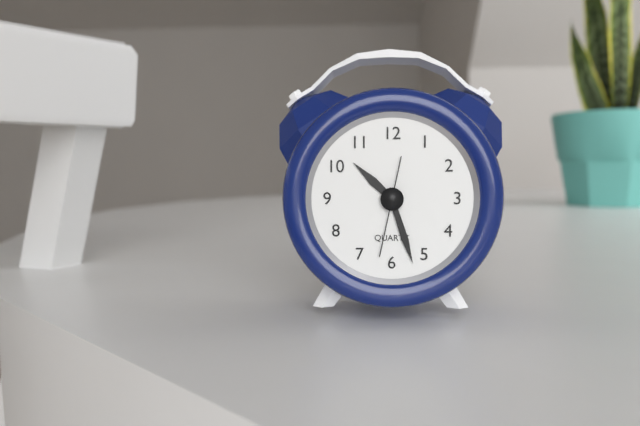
10:27:32
